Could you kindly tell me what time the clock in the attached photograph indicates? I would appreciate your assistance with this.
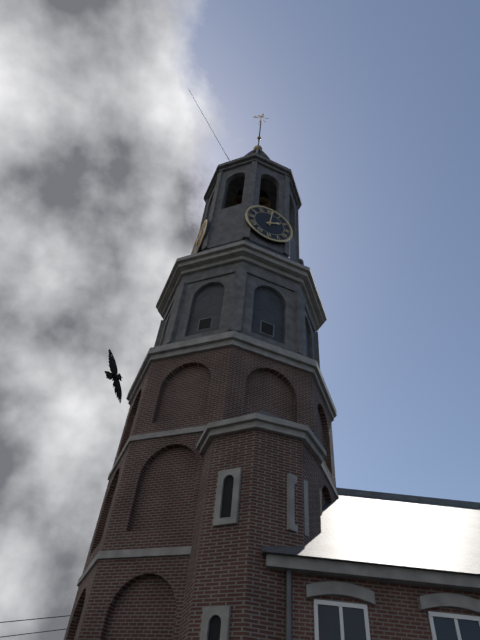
2:01
